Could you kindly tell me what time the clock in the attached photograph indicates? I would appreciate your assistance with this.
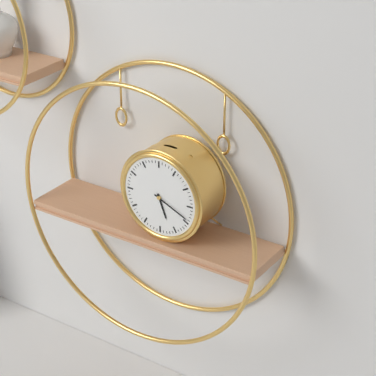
5:19
